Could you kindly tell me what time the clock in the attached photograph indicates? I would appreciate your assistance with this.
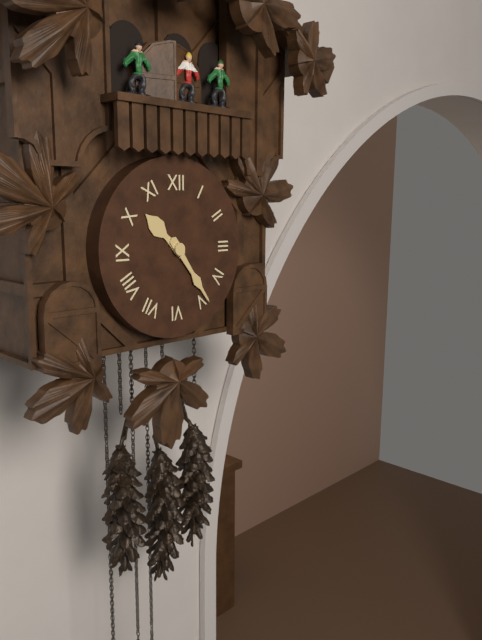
10:24
